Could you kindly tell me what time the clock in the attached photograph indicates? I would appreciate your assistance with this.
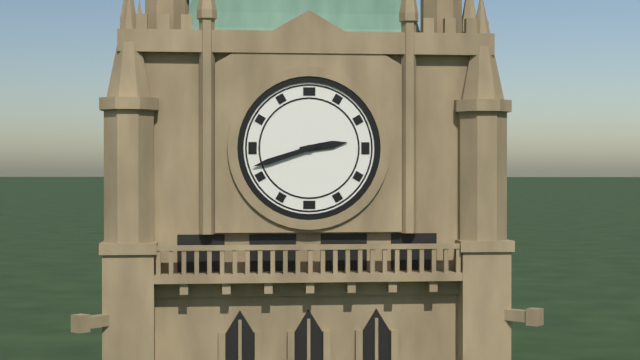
2:42
